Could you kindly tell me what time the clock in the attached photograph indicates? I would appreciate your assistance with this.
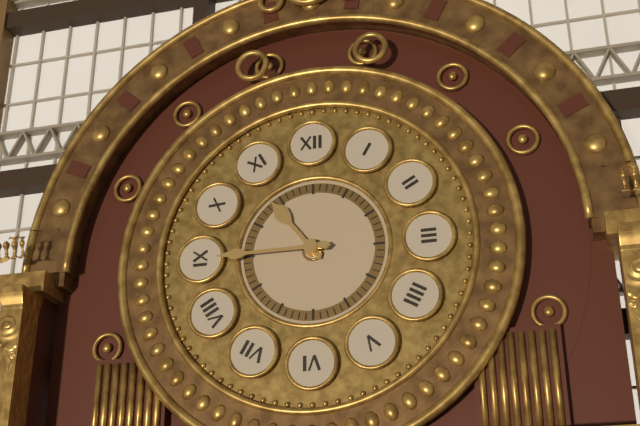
10:45
